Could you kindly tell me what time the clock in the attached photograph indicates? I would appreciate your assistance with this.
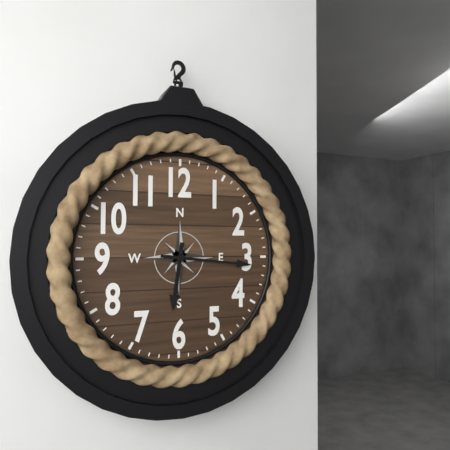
6:16
